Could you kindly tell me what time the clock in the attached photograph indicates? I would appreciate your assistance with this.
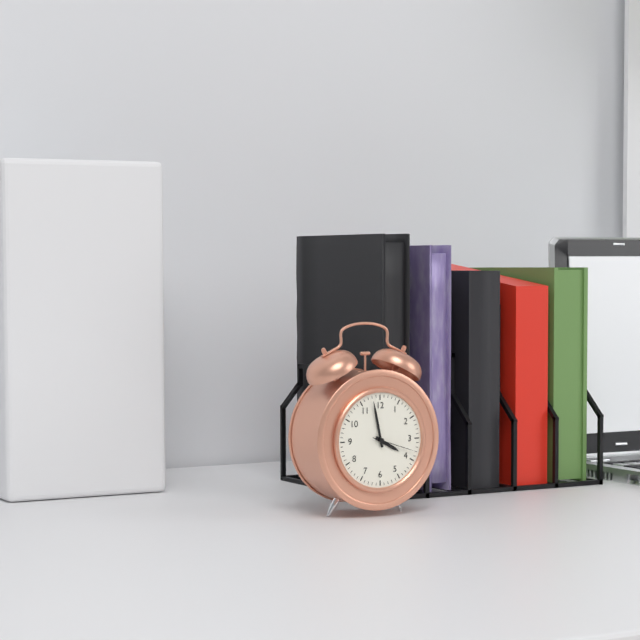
3:58
